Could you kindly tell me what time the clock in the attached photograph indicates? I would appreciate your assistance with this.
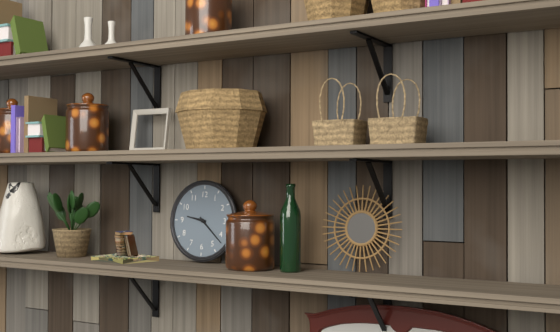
9:22
